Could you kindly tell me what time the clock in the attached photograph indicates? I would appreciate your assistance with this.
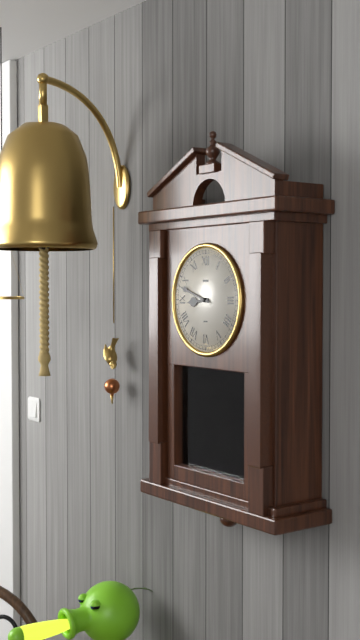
8:48
